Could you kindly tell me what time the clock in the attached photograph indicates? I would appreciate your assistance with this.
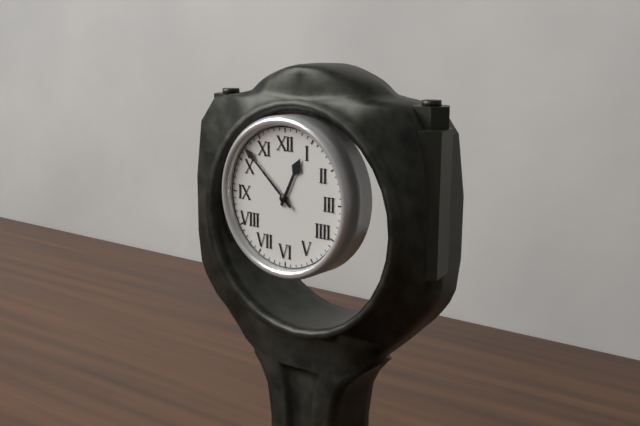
12:52
